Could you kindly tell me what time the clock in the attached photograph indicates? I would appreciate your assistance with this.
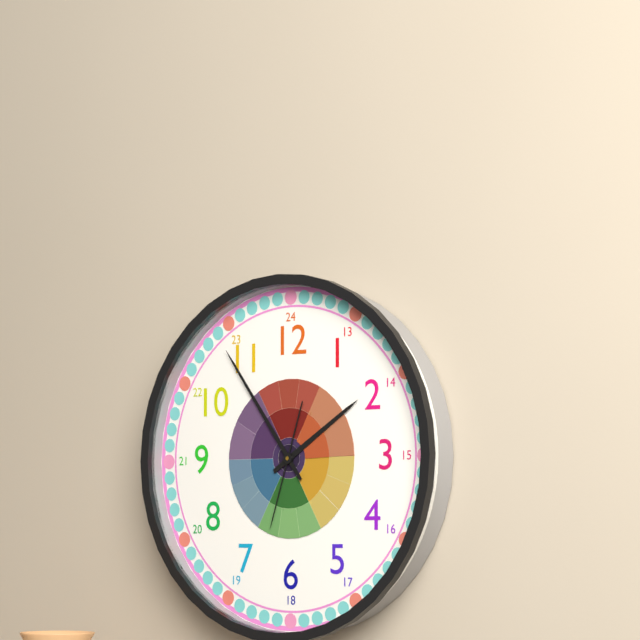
1:54:33
